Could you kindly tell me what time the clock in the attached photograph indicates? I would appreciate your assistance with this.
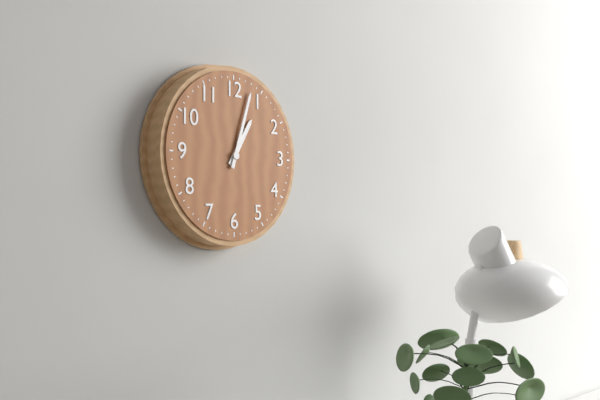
1:03
